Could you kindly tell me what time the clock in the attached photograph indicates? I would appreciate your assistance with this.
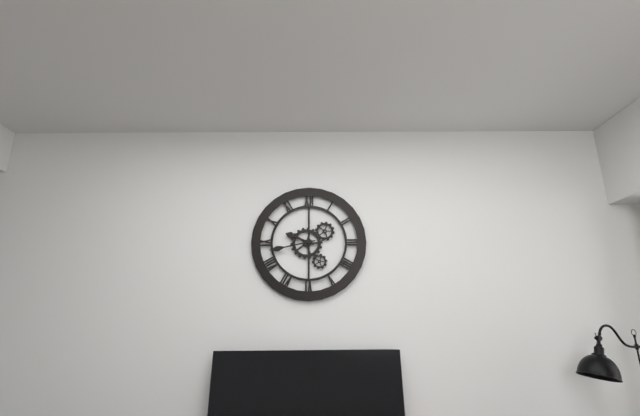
9:43
